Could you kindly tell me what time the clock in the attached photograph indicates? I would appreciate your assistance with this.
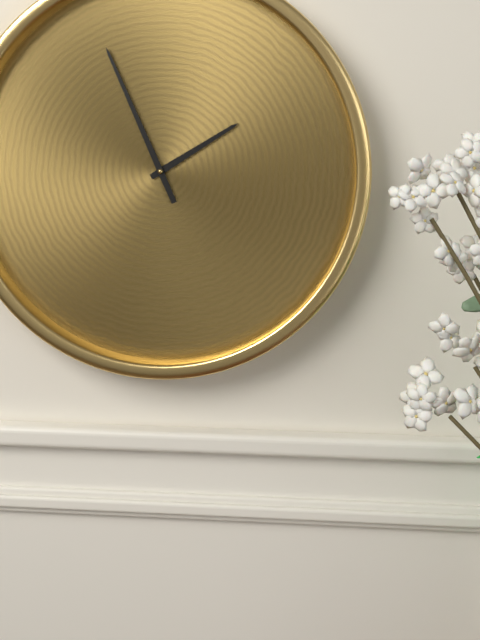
1:56
